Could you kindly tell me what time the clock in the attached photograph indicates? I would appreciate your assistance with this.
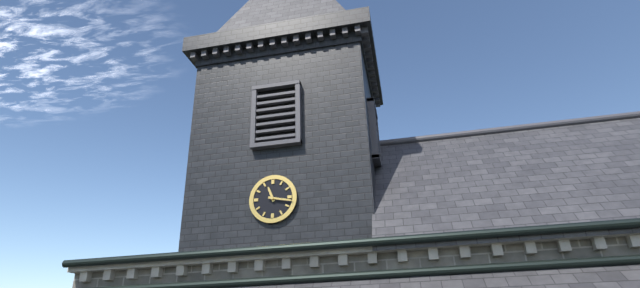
11:17
